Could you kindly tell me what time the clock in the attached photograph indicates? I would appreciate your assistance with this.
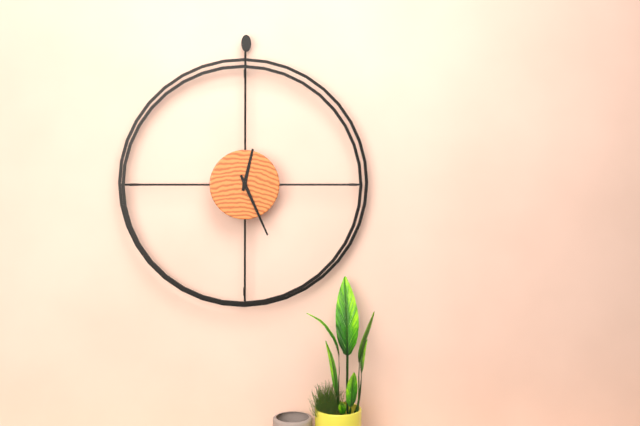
12:26
